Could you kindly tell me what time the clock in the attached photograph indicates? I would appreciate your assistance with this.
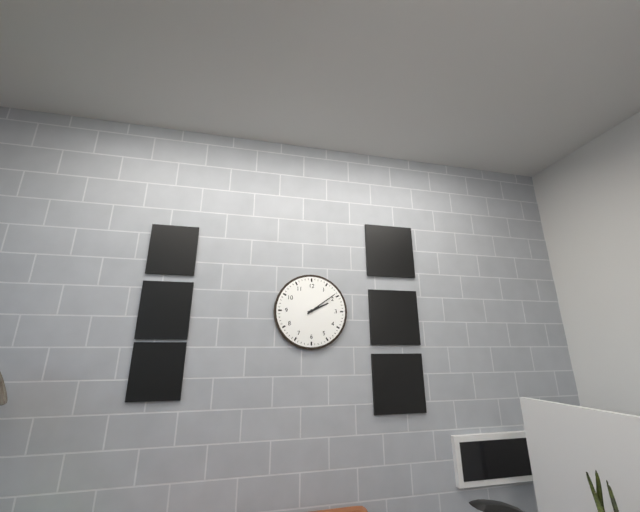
2:09
